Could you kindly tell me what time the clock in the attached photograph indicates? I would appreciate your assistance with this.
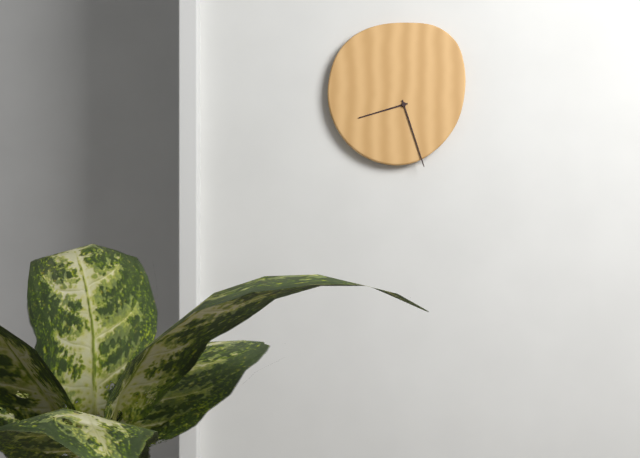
8:27
